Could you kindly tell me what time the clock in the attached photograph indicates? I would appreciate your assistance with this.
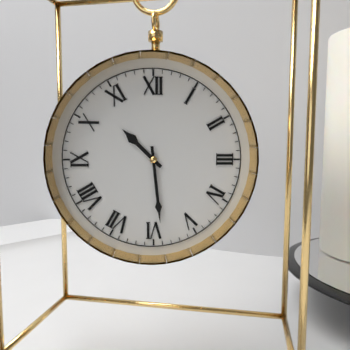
10:29
